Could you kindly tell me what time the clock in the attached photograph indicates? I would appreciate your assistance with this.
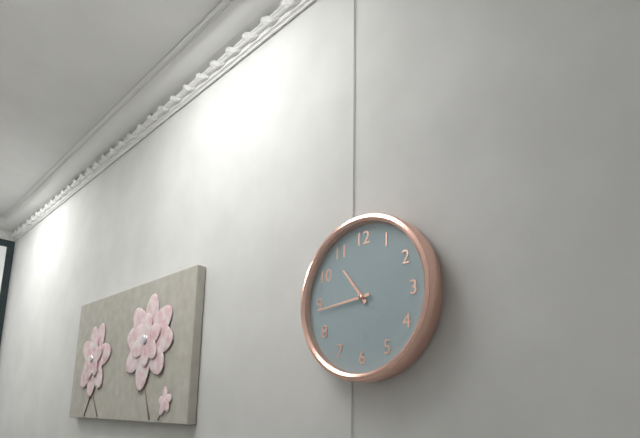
10:44
